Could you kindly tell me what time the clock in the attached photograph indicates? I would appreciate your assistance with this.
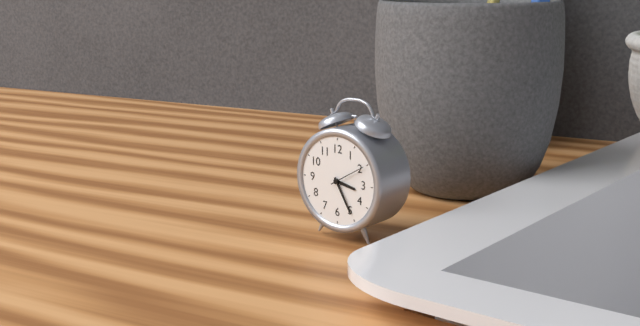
3:25
